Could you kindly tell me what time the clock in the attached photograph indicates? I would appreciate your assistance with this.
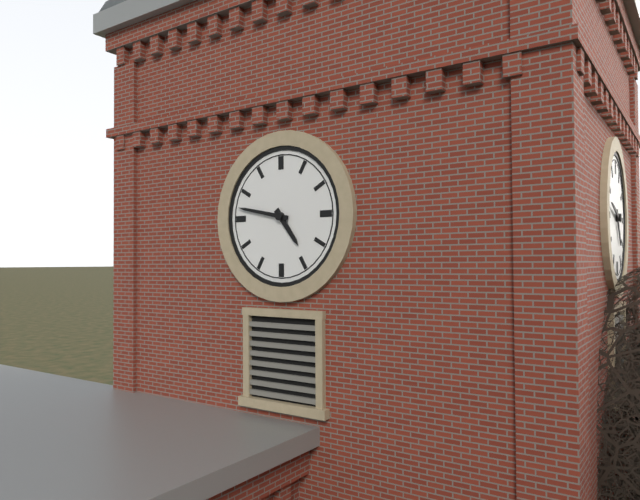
4:47
